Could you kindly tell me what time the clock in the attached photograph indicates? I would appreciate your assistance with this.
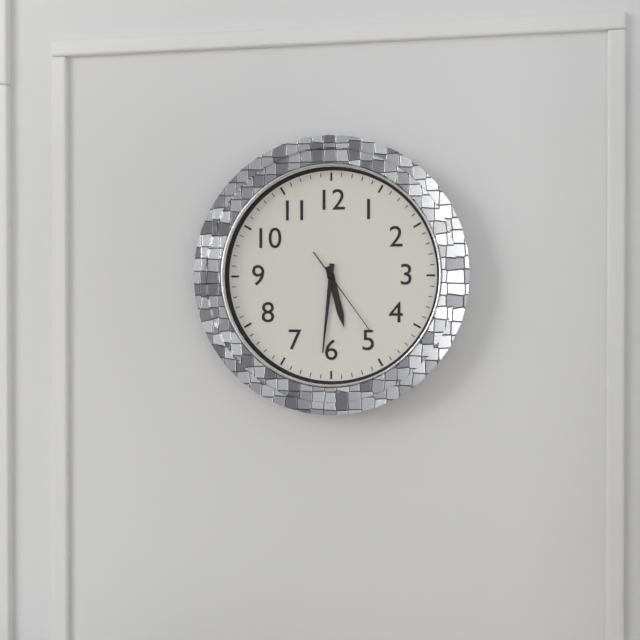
5:31:24
